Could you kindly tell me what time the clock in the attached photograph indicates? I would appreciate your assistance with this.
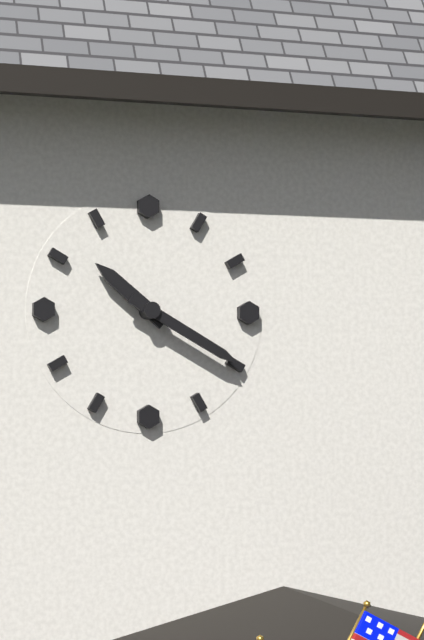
10:20
